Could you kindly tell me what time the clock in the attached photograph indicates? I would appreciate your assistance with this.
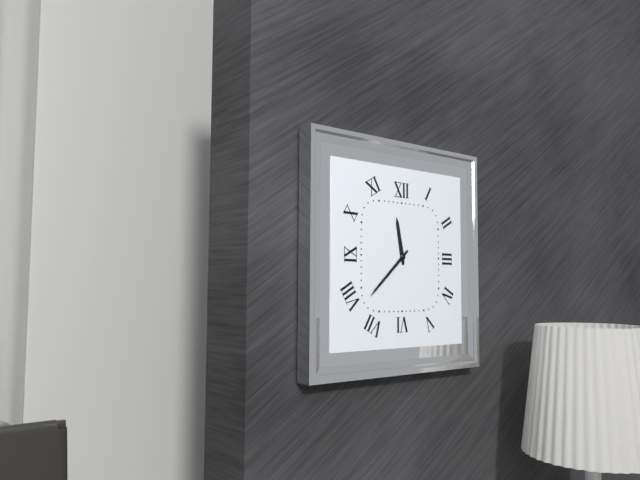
11:38
